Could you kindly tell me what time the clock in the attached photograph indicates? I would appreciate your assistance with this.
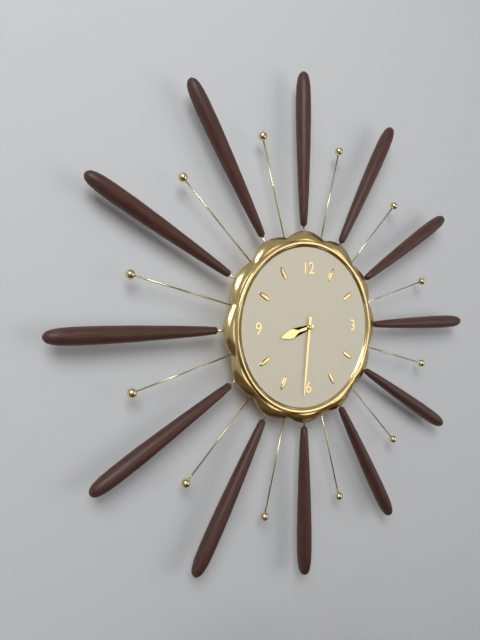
8:31
